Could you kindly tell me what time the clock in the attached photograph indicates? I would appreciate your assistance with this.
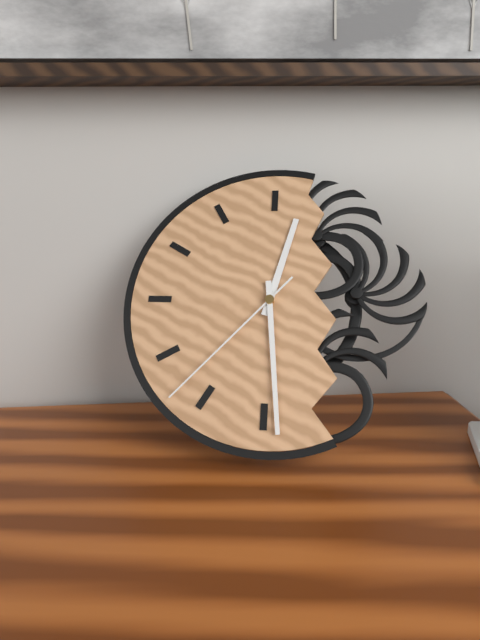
12:29:37
